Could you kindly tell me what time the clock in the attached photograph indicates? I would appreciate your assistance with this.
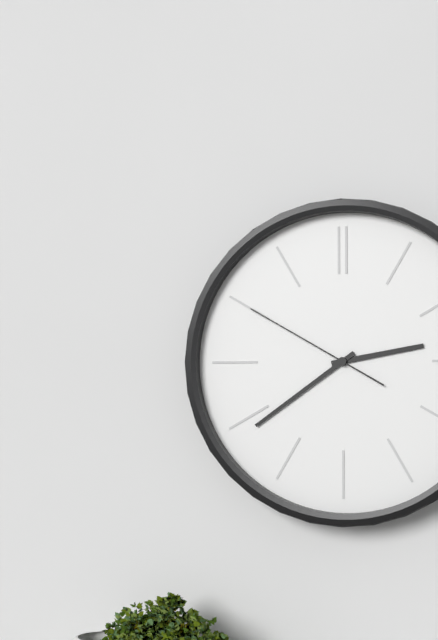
2:39:50
